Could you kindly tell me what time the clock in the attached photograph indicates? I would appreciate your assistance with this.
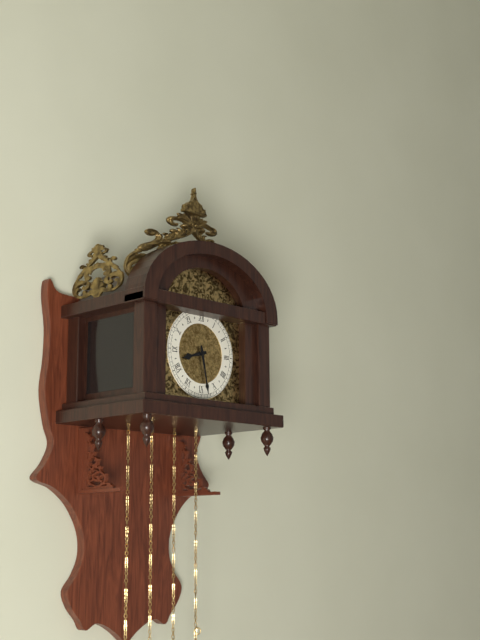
8:28
